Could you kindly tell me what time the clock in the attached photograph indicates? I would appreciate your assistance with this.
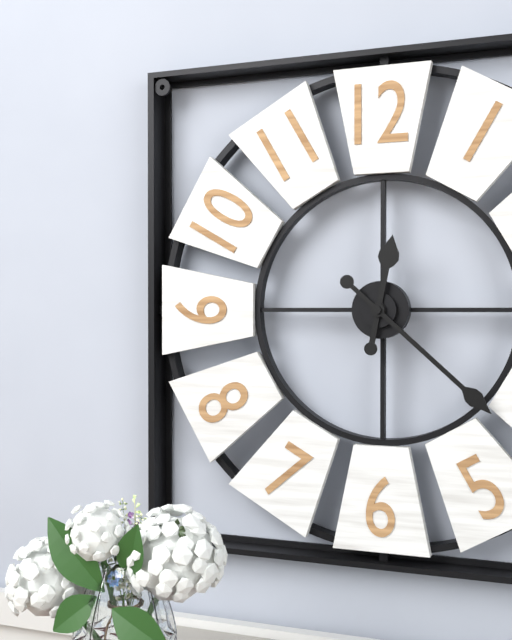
12:22
